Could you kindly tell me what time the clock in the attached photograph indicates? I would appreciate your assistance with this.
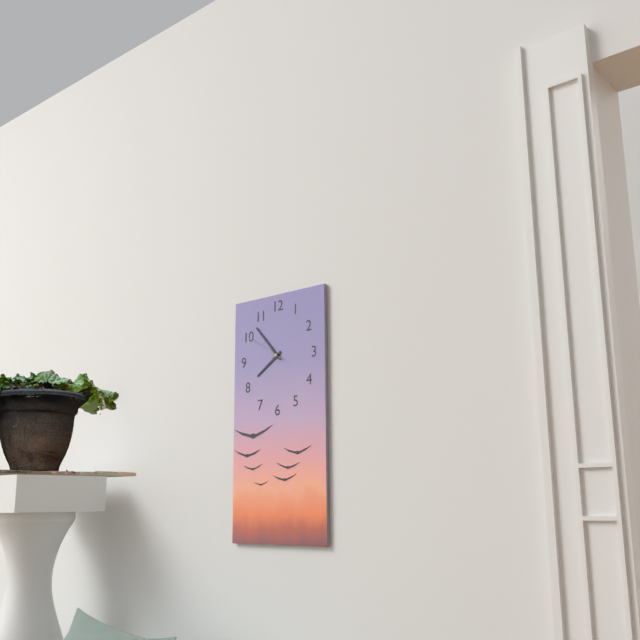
7:53
